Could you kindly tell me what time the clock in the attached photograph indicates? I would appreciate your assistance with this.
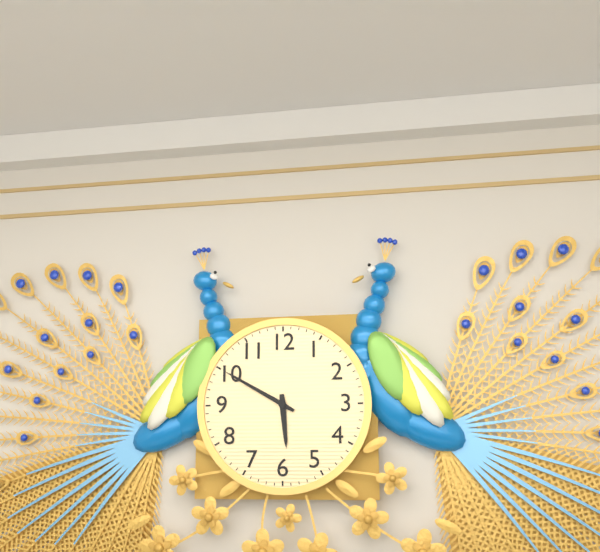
5:50
